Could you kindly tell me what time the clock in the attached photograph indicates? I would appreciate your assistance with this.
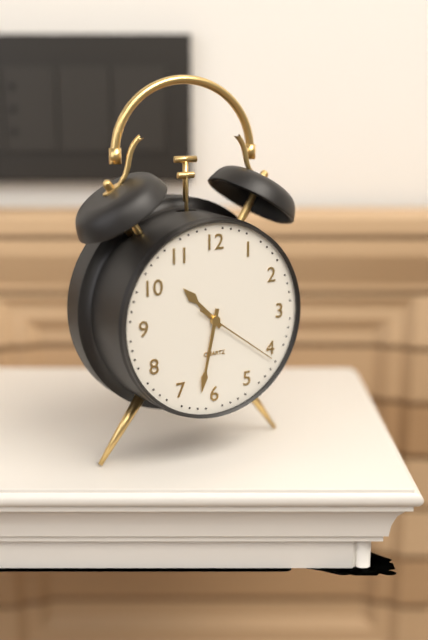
10:32:21
